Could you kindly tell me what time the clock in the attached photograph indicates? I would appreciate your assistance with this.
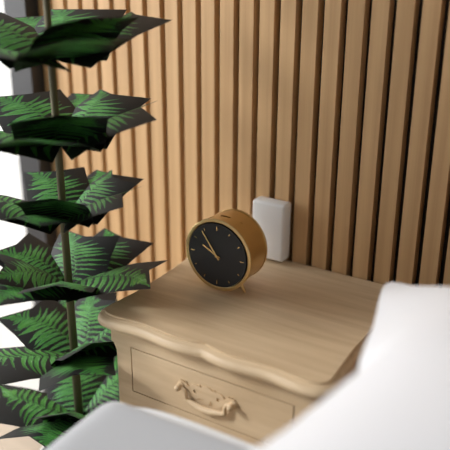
9:54
